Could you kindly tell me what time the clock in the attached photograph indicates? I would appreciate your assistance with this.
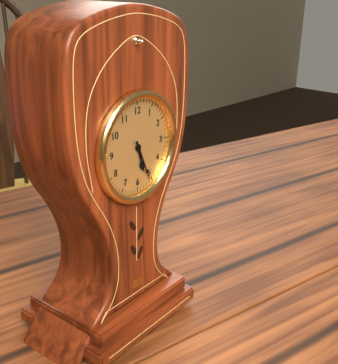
5:26
